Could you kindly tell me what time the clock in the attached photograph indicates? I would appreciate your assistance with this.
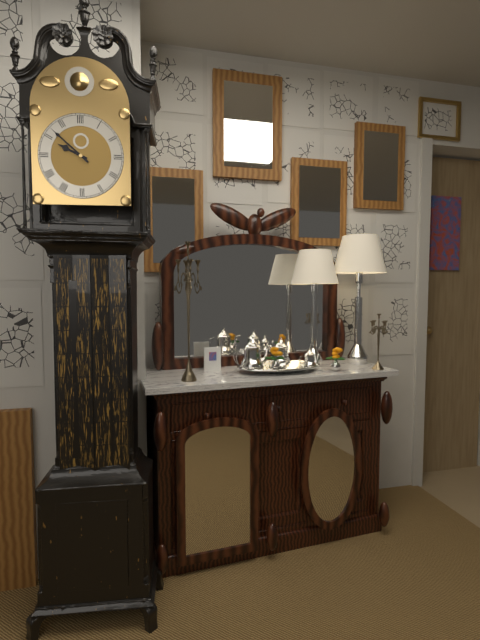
9:52
